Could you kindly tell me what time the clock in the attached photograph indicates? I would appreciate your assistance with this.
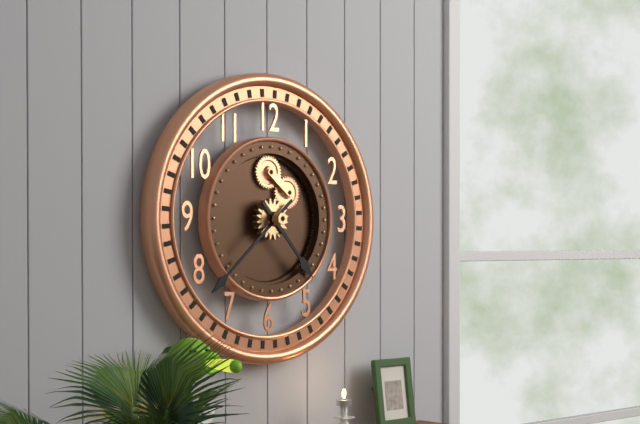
4:38
